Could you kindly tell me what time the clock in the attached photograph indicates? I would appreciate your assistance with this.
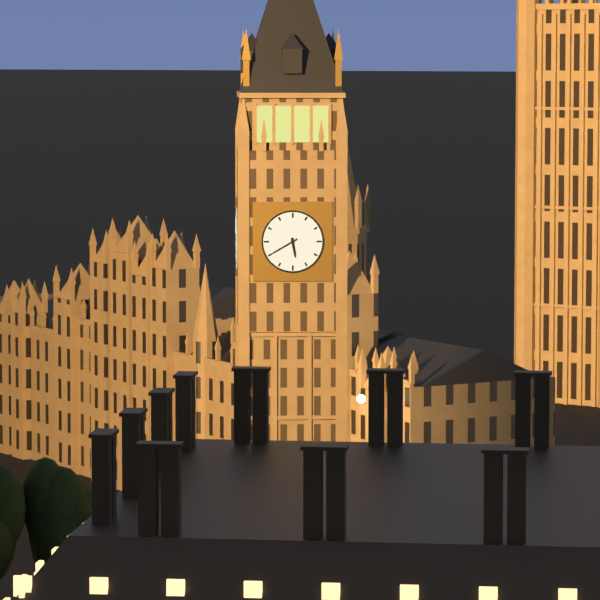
5:40
